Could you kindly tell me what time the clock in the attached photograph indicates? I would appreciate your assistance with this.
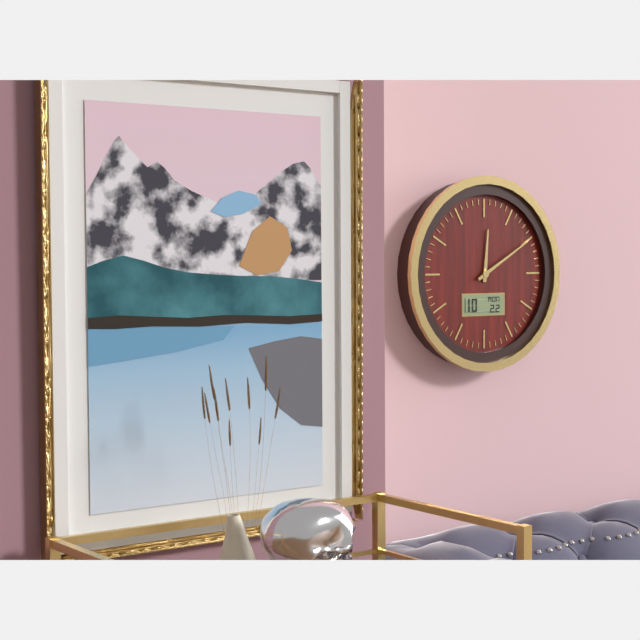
12:10
